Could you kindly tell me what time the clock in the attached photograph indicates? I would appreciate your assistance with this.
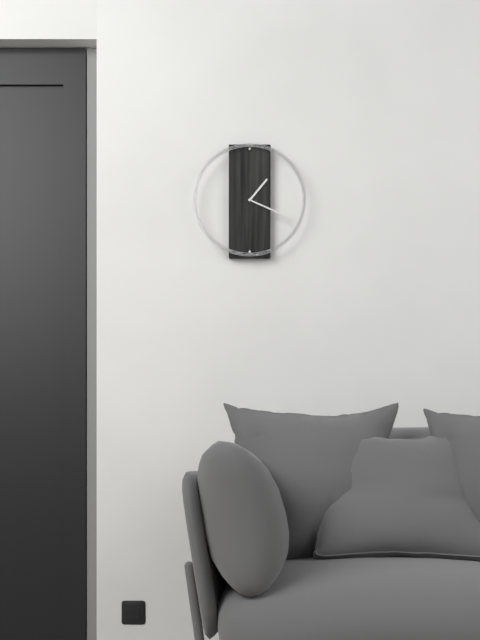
1:19
